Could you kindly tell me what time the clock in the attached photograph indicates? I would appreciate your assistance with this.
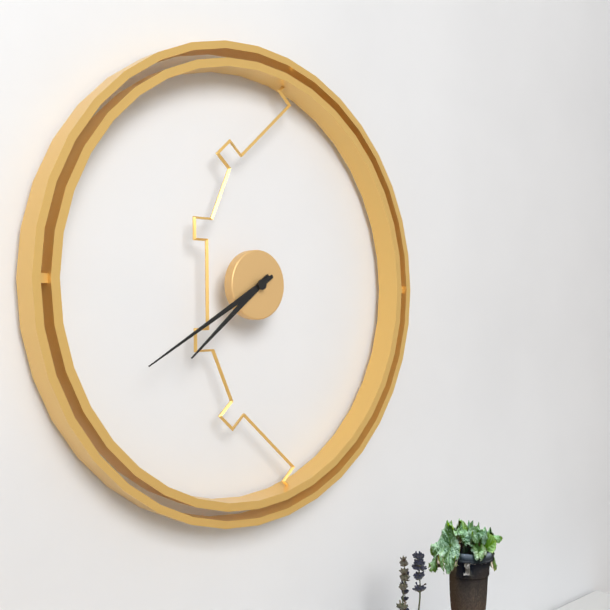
7:40
